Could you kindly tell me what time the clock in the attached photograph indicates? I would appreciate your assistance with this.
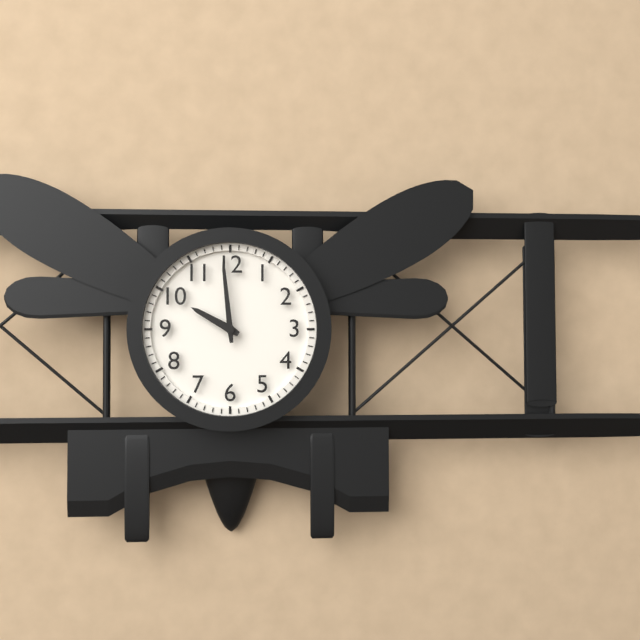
9:59
